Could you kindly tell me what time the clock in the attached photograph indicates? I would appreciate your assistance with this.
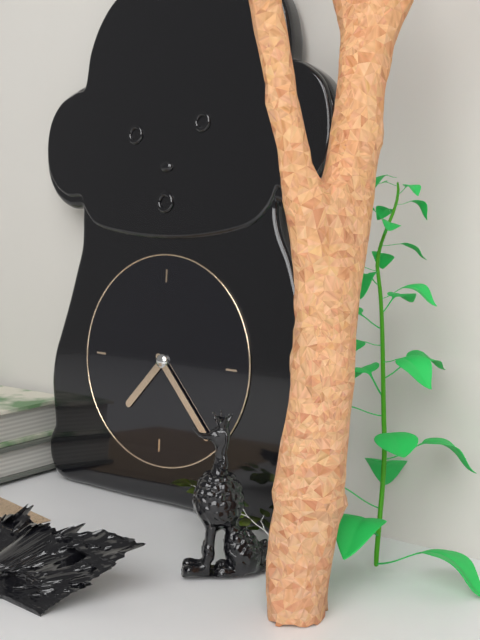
7:23
